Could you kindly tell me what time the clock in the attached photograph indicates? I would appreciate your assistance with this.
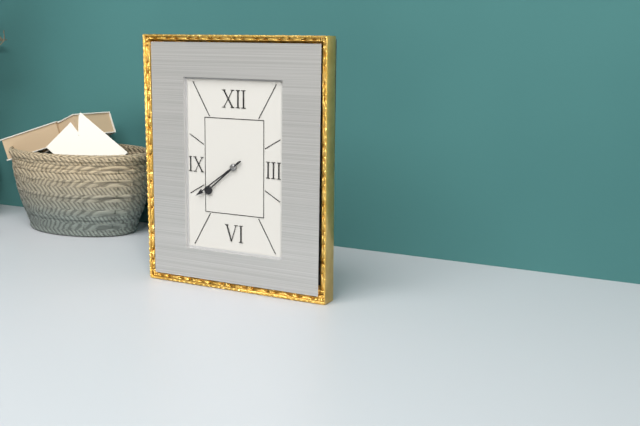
7:39
